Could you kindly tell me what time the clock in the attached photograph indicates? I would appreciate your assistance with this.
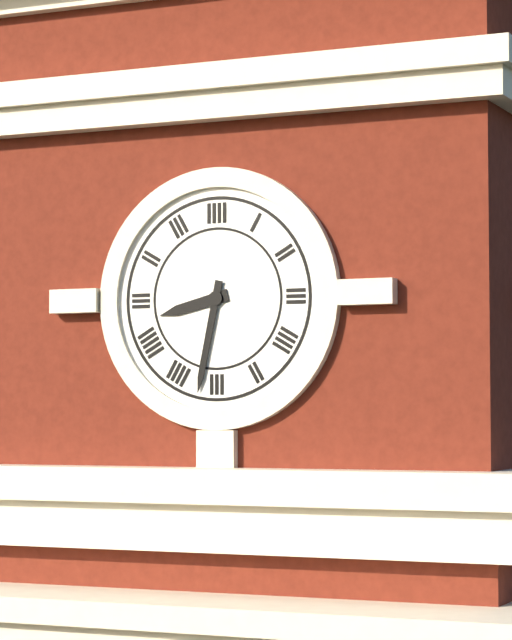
8:32
